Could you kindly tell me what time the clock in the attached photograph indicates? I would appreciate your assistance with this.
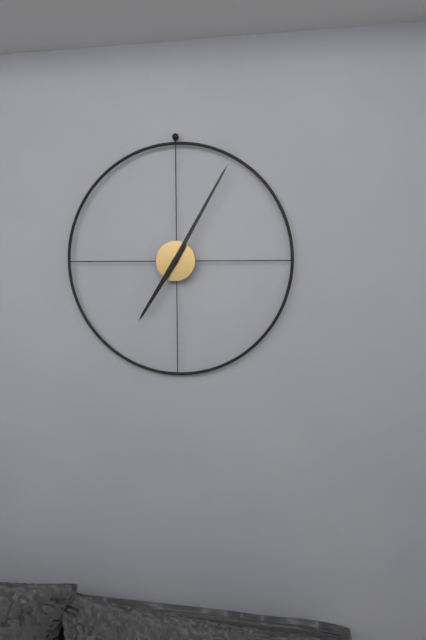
7:05
